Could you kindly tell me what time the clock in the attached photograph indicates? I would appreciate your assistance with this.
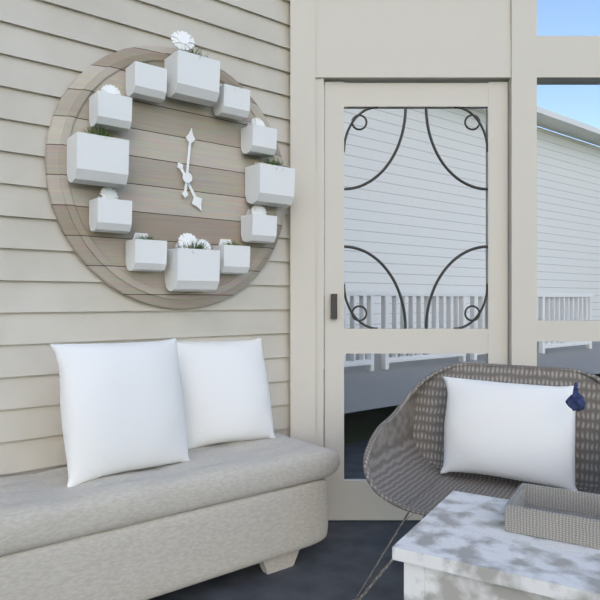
5:01
